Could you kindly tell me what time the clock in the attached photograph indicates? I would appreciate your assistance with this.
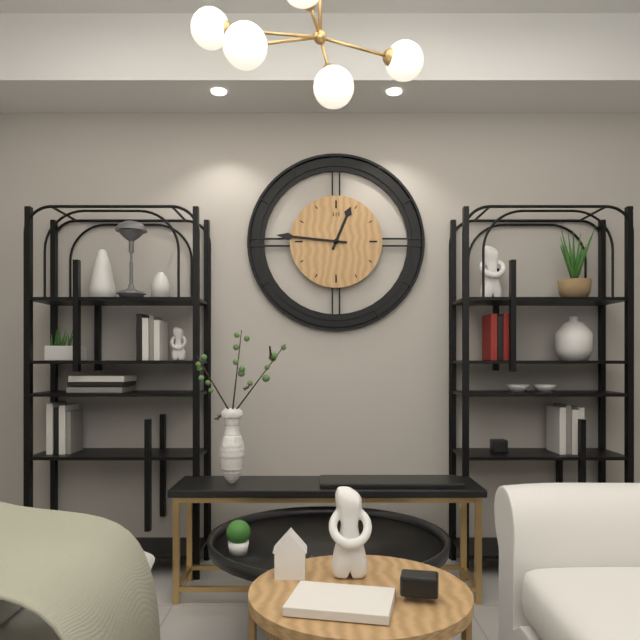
12:46
